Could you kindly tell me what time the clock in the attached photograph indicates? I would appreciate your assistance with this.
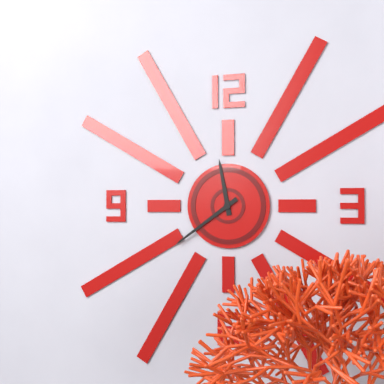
11:39
